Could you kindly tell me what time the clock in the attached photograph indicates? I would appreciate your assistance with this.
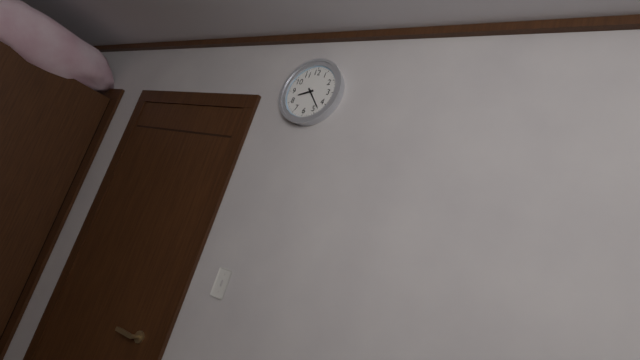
8:23
